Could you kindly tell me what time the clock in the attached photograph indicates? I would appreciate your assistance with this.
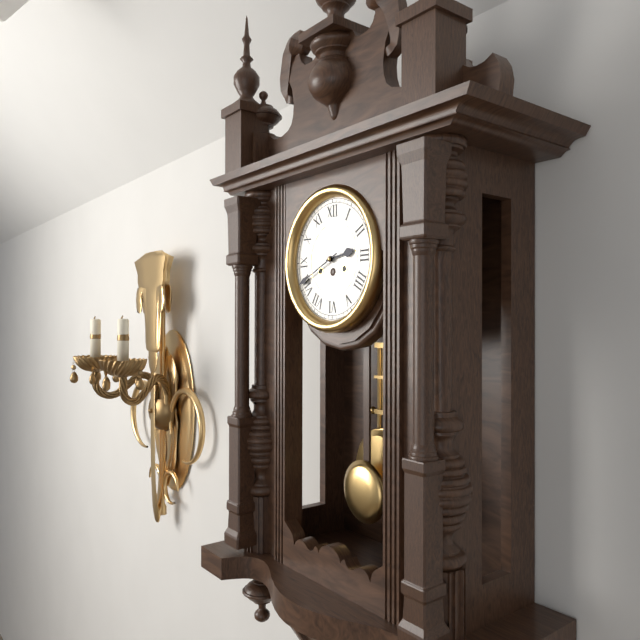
2:41
